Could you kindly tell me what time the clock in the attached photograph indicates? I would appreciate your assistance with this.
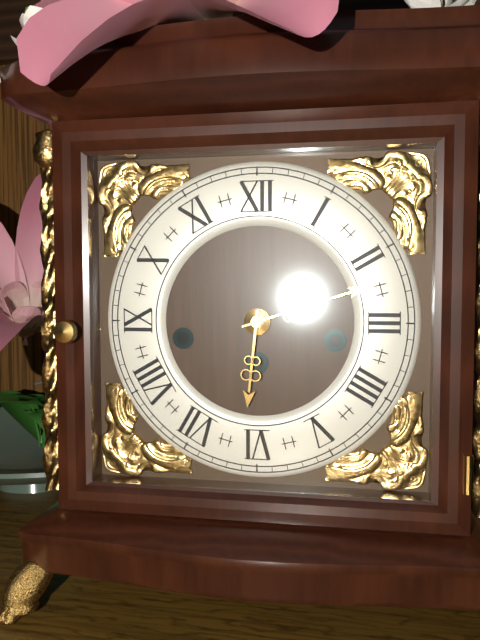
6:12
